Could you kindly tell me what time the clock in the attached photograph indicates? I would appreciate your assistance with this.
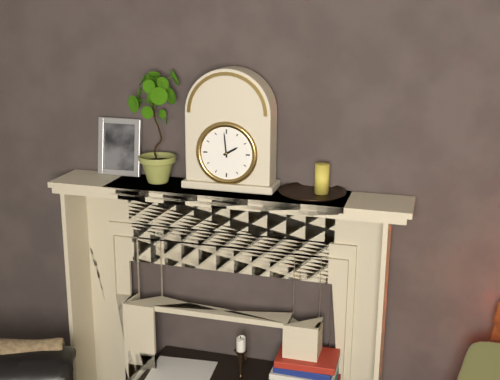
1:59
